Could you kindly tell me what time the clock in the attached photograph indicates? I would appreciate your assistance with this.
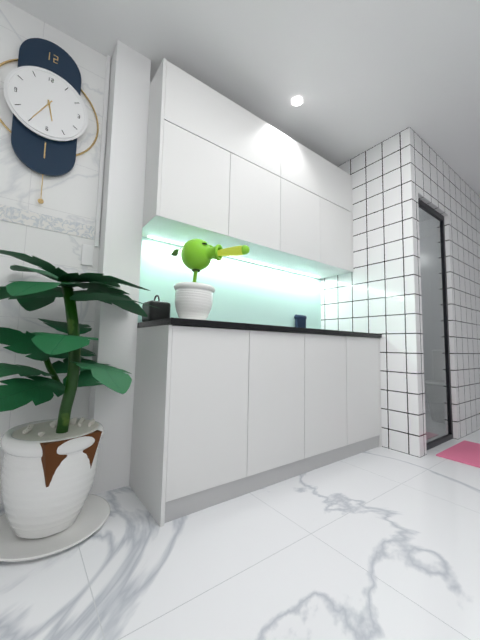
5:35
